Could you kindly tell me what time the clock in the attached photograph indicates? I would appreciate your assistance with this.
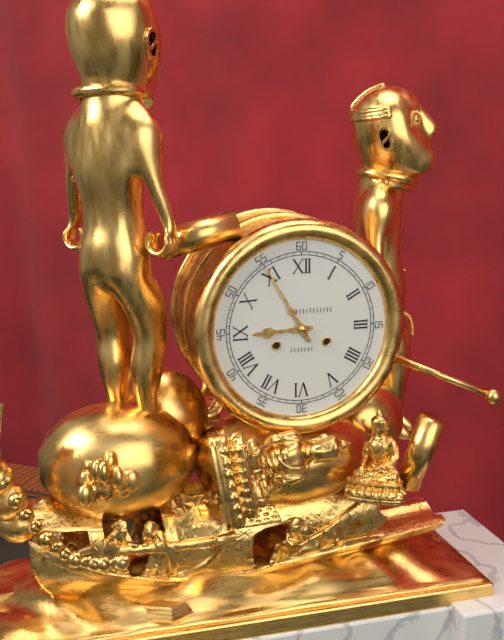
8:55
